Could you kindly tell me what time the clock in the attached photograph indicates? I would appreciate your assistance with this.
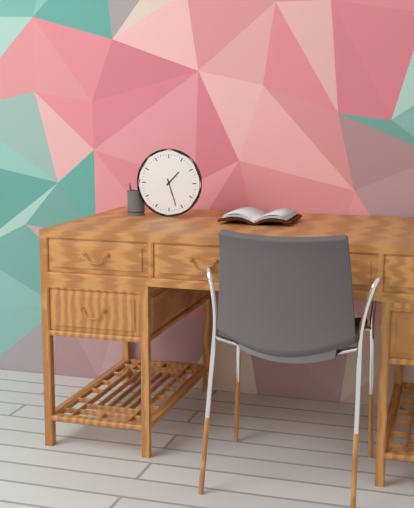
1:27
